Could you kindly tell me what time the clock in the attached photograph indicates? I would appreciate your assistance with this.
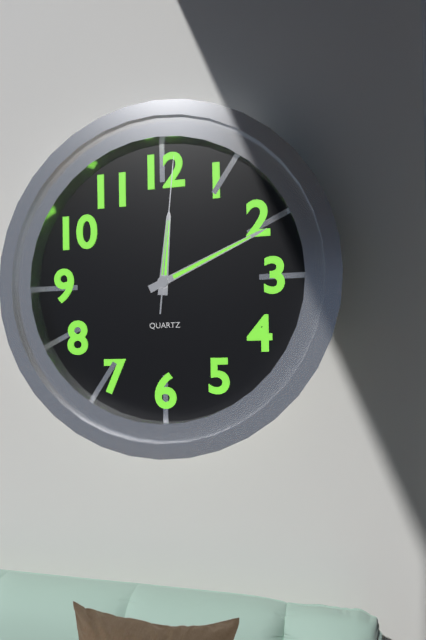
12:11:01
